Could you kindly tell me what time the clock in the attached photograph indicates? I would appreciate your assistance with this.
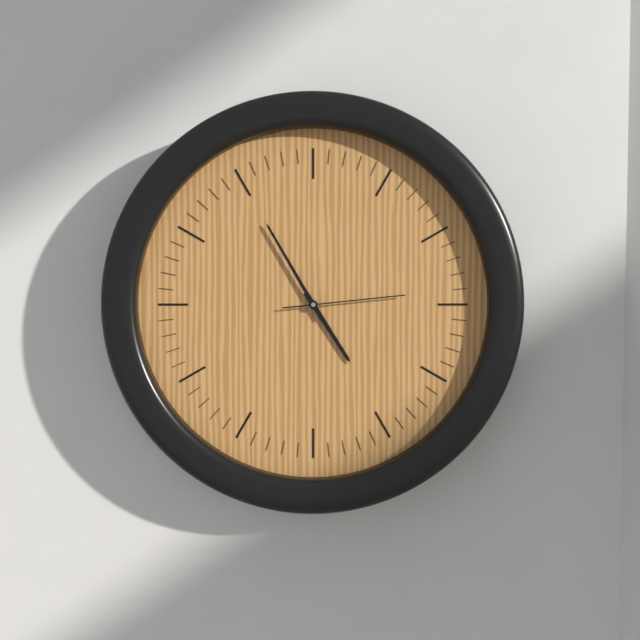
4:55:14
